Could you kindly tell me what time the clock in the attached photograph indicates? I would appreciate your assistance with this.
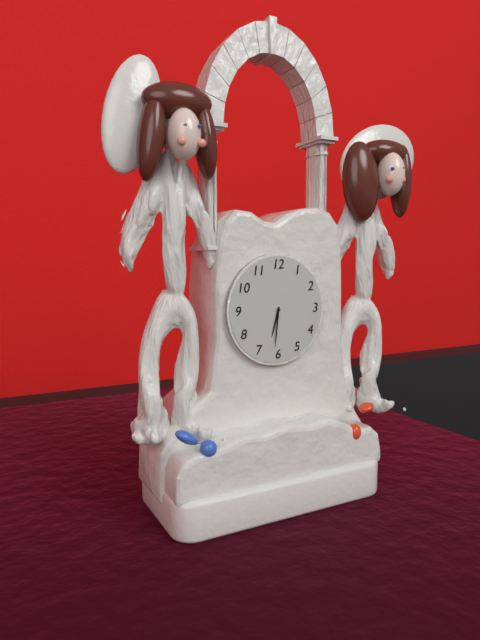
6:31
